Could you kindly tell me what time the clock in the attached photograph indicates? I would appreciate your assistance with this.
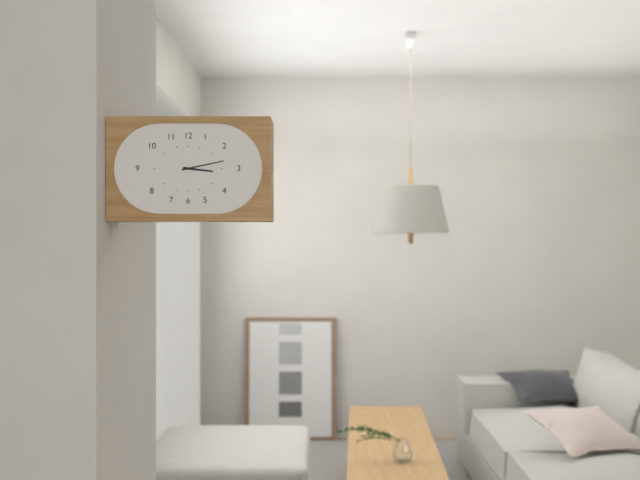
3:13
